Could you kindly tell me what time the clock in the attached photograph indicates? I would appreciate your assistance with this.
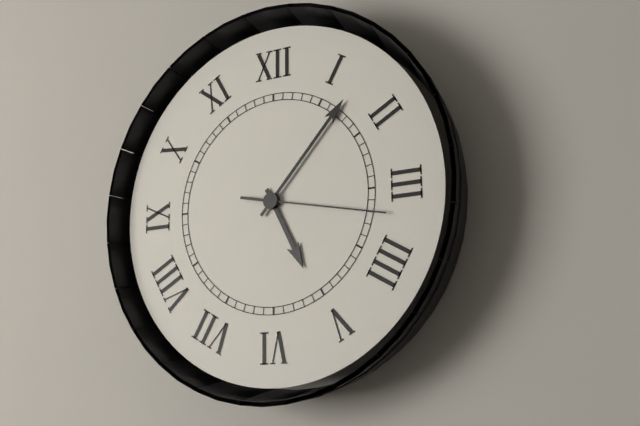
5:07:17
